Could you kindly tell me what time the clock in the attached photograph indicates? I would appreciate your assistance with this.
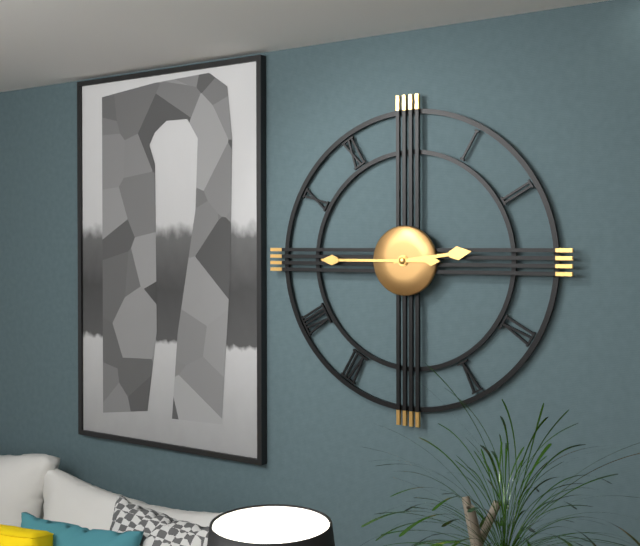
2:45
